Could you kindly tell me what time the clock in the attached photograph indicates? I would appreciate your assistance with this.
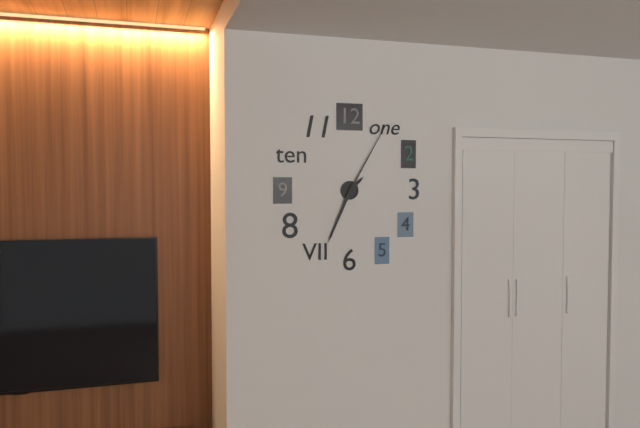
1:34:05
